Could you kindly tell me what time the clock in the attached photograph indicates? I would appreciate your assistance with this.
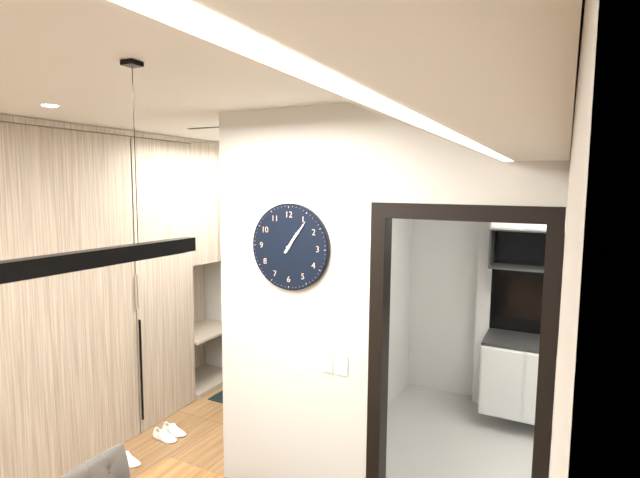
1:06
